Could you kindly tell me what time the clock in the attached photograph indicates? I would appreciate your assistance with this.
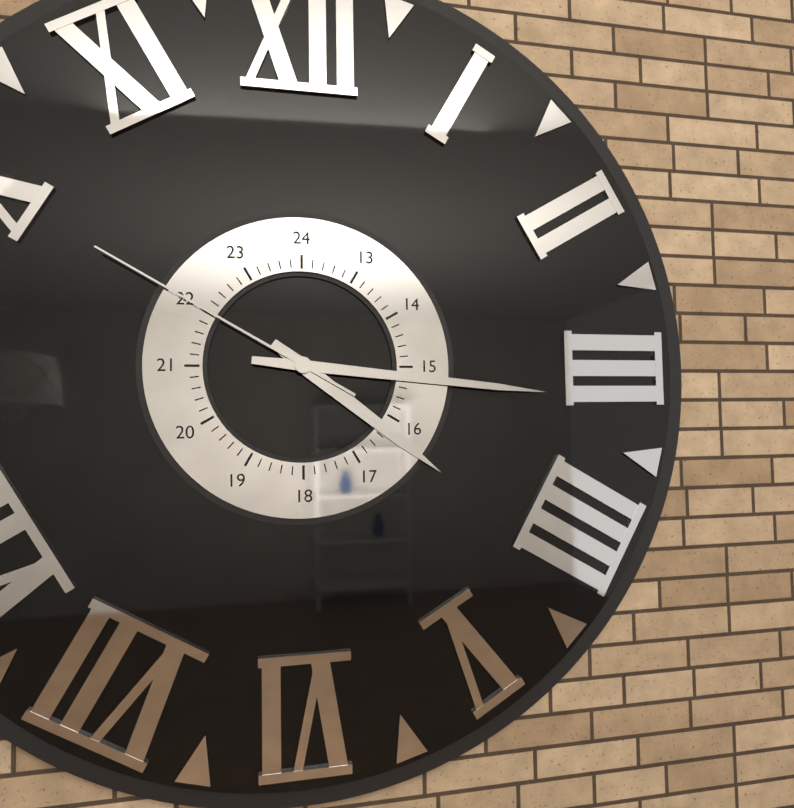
4:16:50
